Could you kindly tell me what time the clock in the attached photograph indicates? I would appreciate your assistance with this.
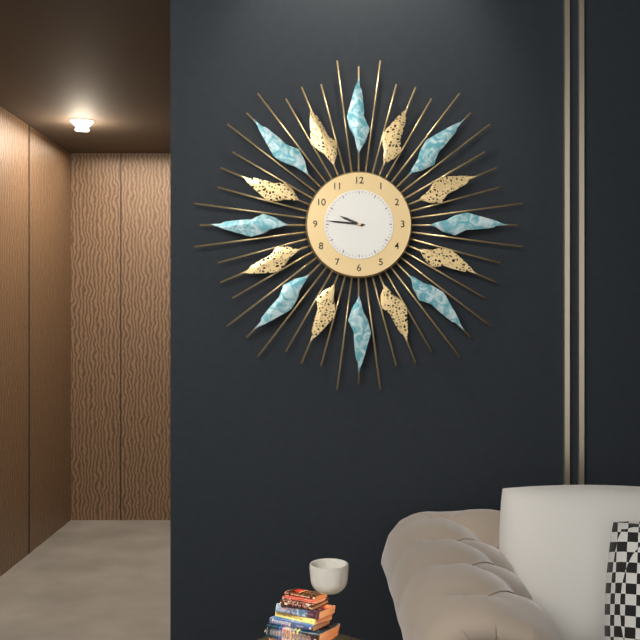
9:46
